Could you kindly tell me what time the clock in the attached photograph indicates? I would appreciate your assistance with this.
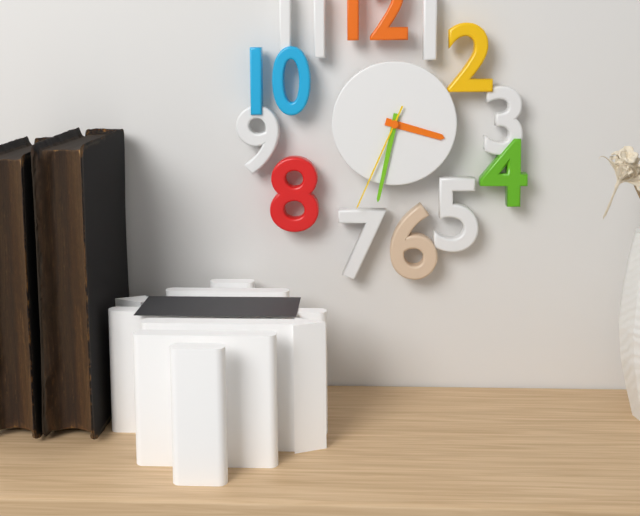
3:32:34
